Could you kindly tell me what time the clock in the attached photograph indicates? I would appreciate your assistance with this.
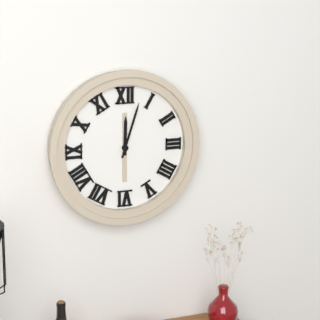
12:03
